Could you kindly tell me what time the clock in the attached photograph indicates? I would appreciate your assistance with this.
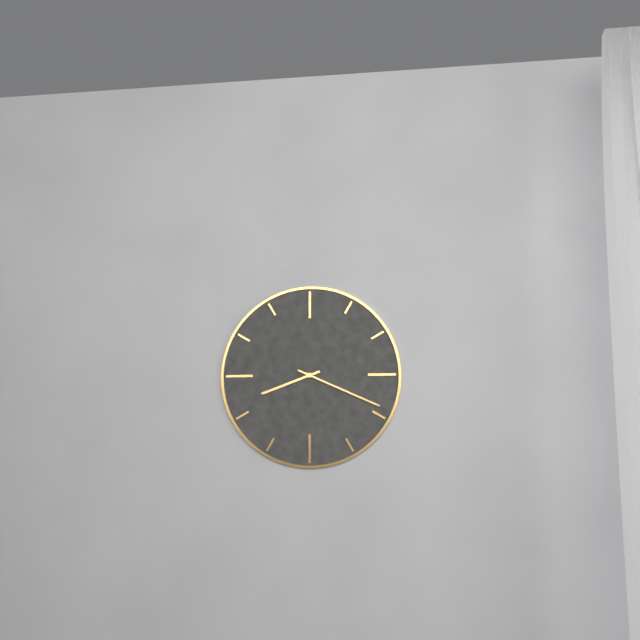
8:19
